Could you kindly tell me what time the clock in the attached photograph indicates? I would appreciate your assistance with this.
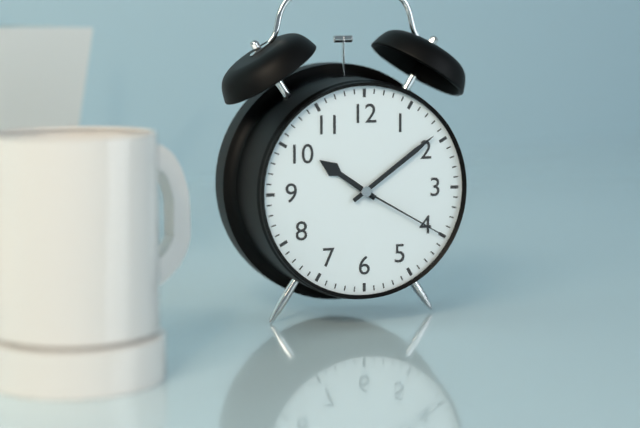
10:09:20
